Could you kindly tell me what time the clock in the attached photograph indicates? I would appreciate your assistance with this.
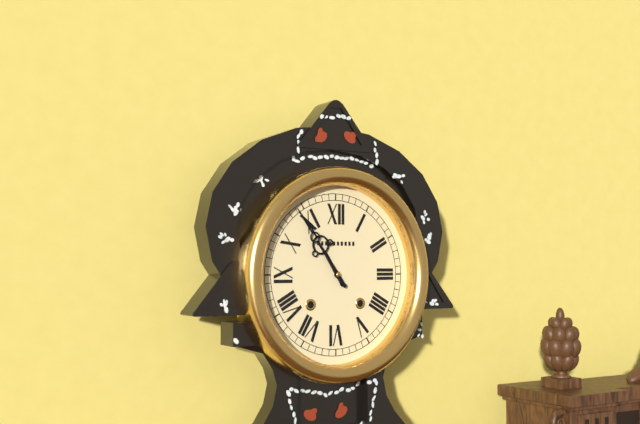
10:54
